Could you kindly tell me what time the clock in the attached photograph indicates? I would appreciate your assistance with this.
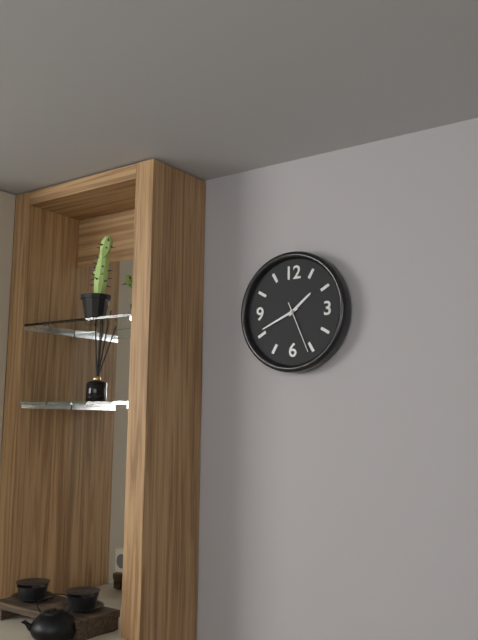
1:41
